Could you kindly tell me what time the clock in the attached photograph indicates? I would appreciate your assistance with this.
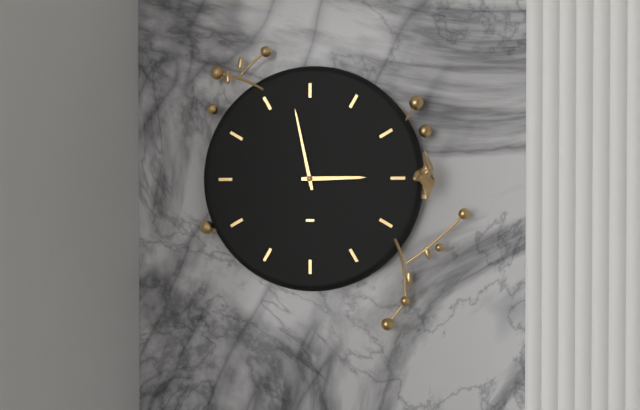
2:58
